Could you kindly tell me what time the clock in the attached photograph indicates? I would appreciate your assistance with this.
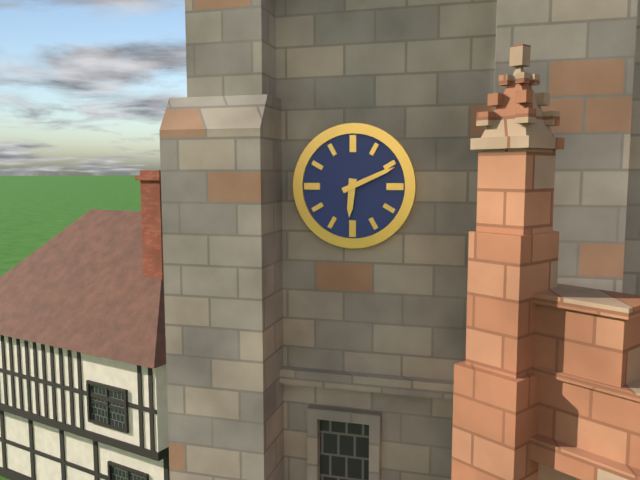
6:11
